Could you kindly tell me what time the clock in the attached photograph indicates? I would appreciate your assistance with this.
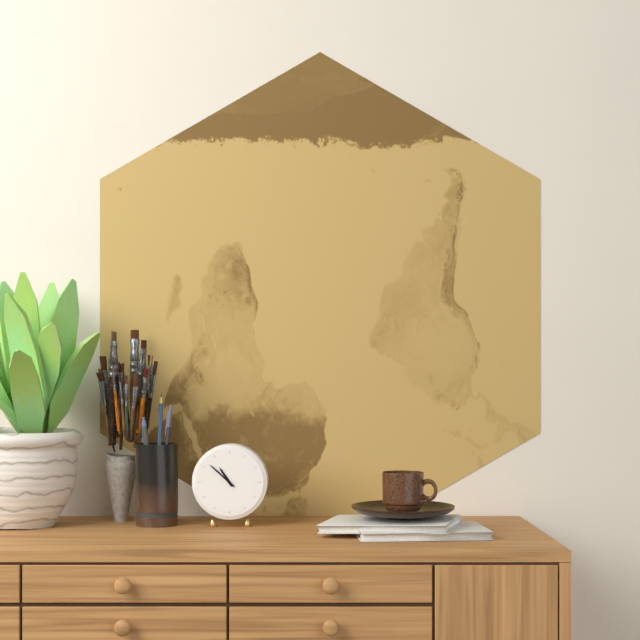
10:52
